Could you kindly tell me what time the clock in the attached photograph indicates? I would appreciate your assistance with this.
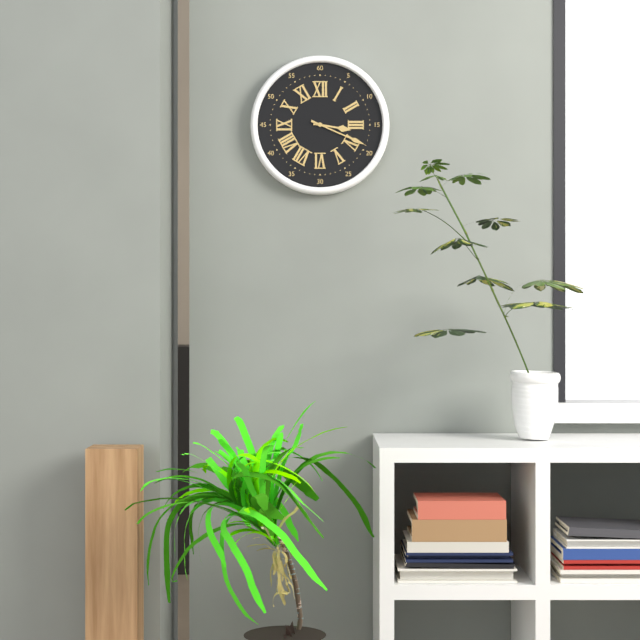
3:19
